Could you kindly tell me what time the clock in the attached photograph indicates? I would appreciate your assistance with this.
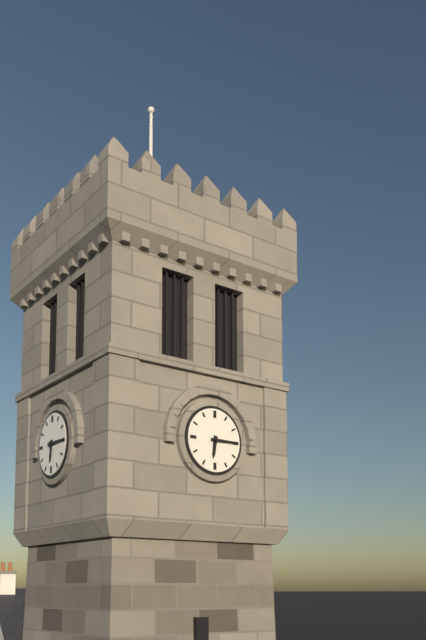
6:15
